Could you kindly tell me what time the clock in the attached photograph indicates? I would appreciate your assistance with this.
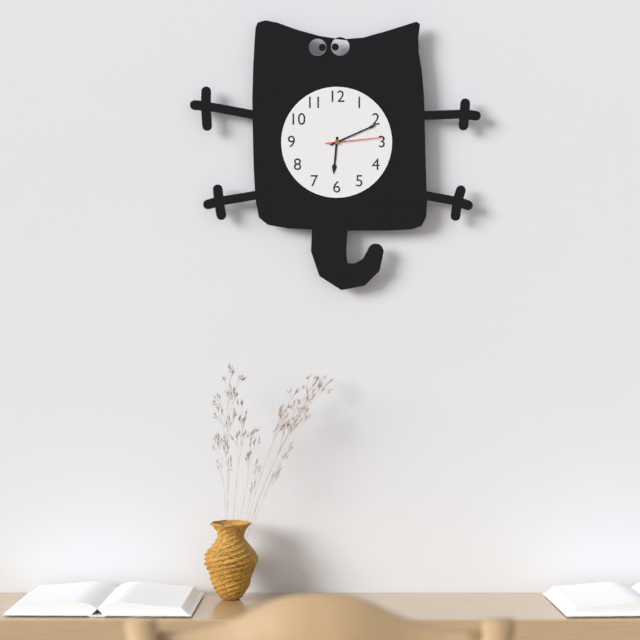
6:11:14
